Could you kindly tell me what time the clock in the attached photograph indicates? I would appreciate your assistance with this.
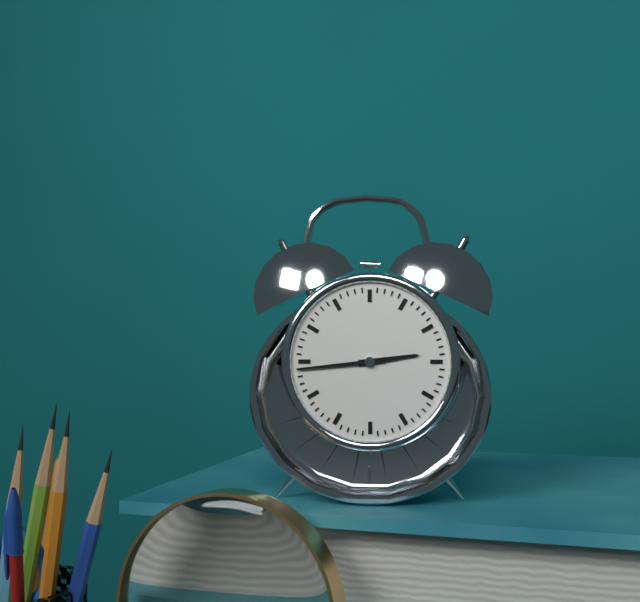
2:44
